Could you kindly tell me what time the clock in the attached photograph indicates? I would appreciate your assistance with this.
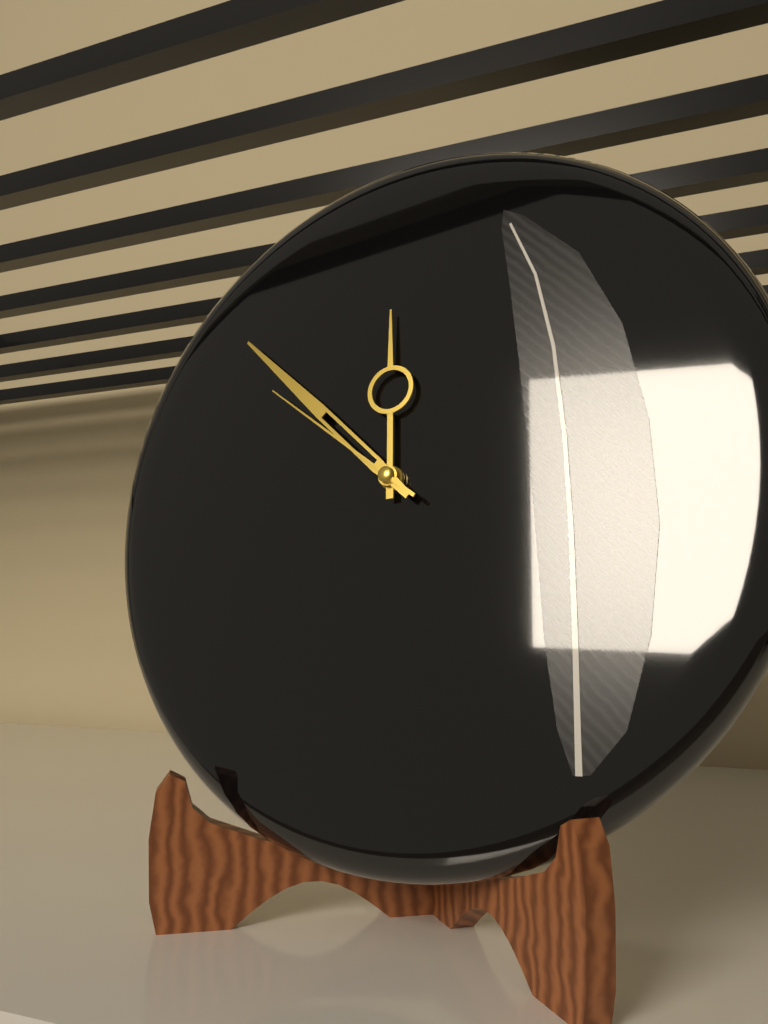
11:52:51
